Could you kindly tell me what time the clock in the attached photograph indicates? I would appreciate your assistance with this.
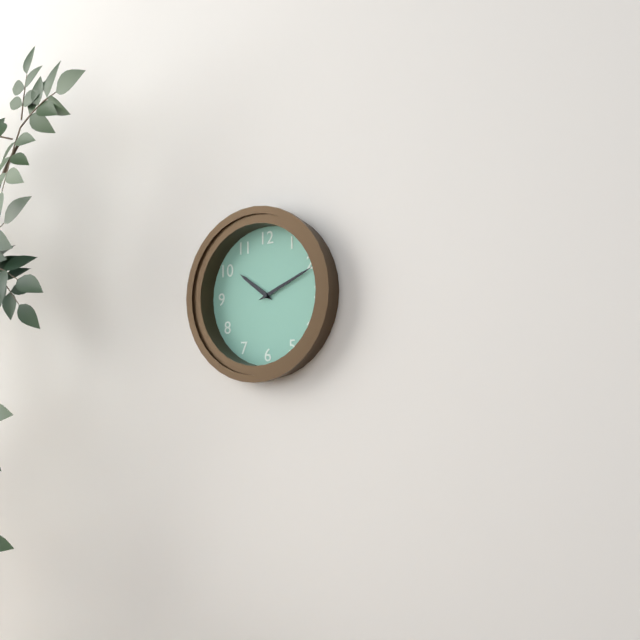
10:11
